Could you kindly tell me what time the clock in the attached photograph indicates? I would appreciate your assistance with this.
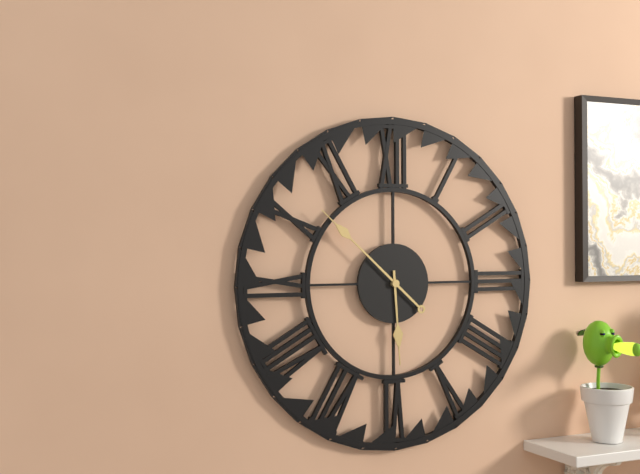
5:52
